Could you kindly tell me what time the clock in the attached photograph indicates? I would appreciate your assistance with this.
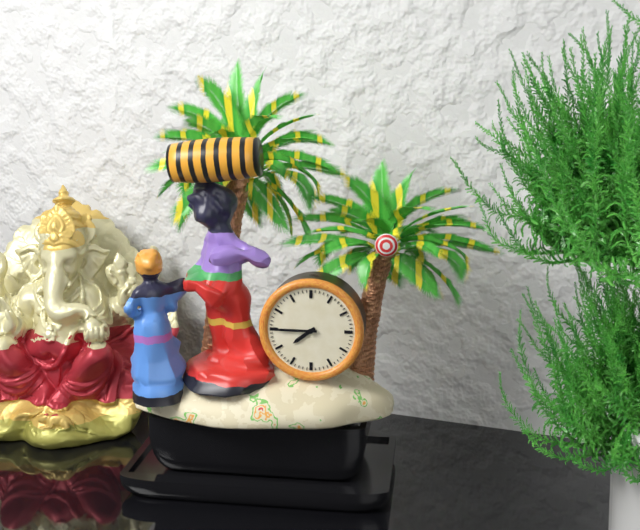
7:45
